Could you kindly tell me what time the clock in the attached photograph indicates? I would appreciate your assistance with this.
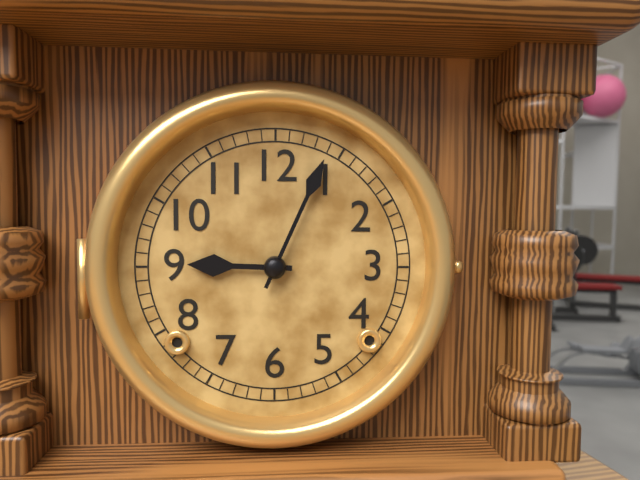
9:04
